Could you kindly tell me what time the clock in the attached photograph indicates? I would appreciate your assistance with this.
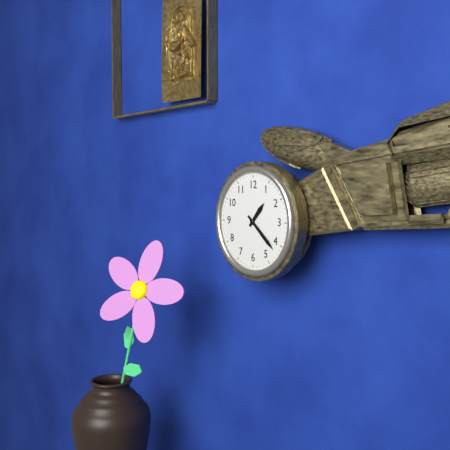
1:22
